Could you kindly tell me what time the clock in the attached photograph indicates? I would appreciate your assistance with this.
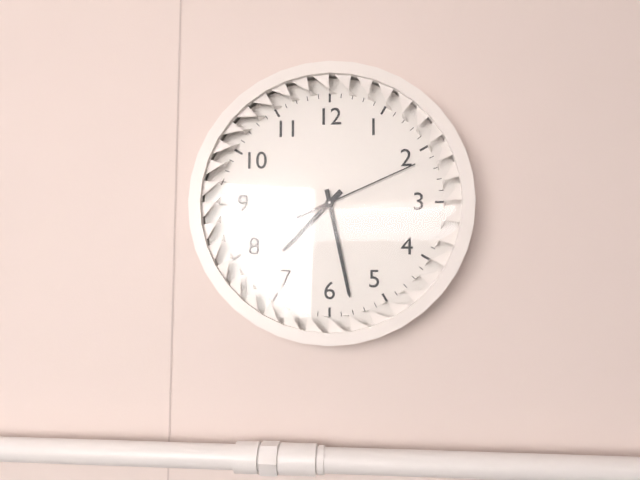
7:28:11
